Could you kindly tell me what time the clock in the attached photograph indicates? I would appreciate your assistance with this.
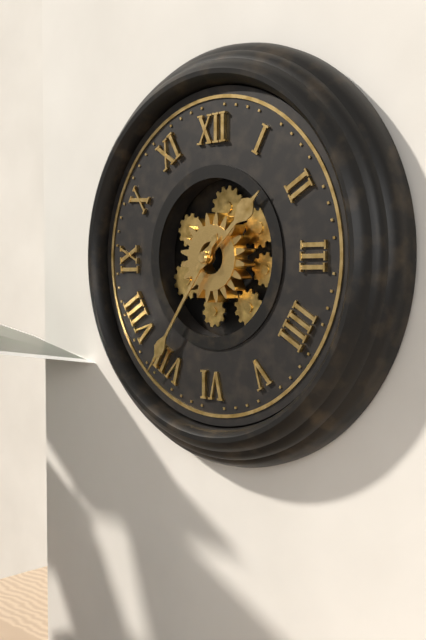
1:36
